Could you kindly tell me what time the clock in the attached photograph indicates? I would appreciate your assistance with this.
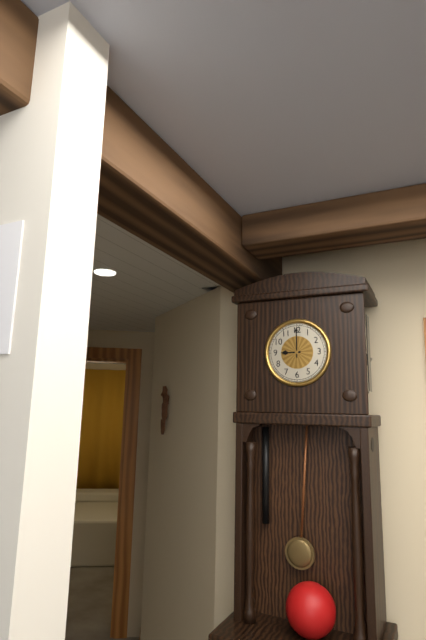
9:00
